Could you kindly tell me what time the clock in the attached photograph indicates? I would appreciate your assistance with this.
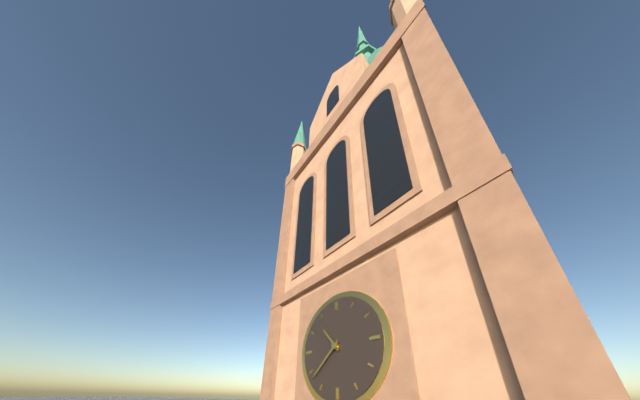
10:38
